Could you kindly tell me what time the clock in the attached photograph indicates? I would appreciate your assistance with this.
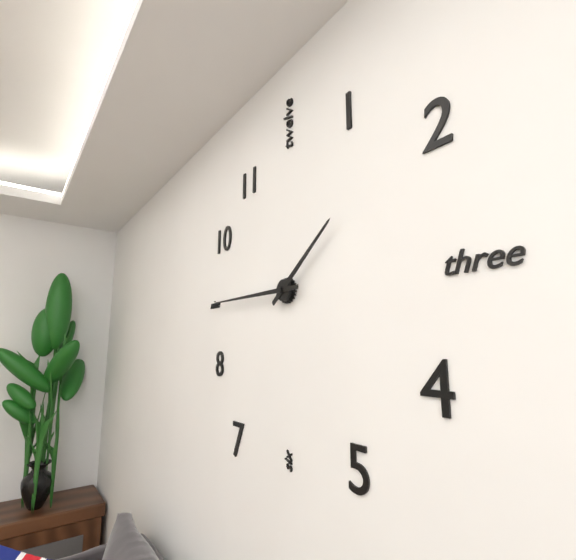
1:45
